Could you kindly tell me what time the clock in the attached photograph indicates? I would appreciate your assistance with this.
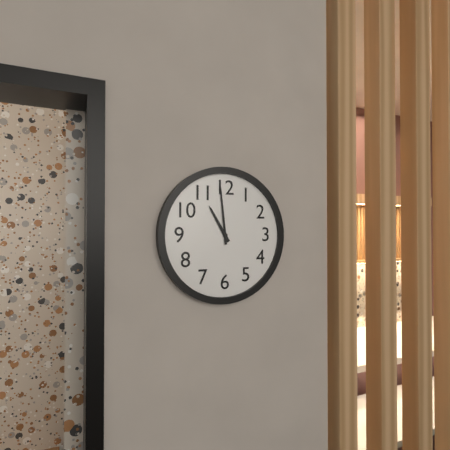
10:59
